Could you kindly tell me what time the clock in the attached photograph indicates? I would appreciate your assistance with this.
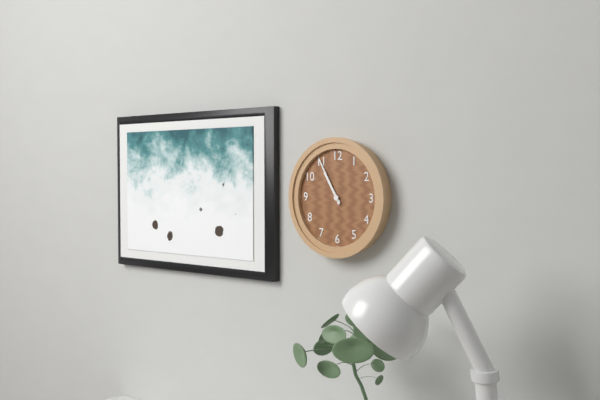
10:55
